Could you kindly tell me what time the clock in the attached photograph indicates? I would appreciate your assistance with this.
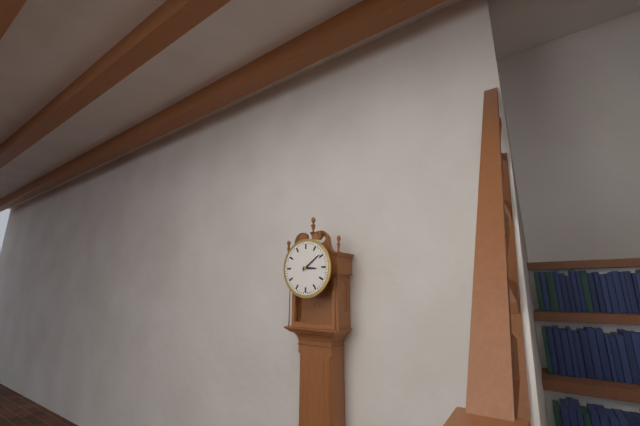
3:09
